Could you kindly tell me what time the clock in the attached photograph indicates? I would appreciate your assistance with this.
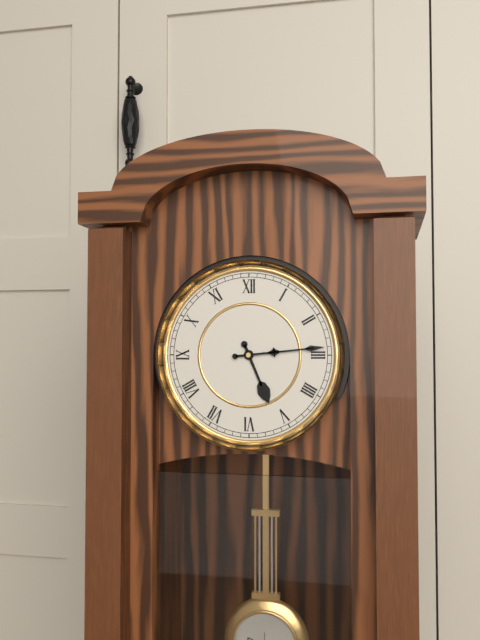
5:14
